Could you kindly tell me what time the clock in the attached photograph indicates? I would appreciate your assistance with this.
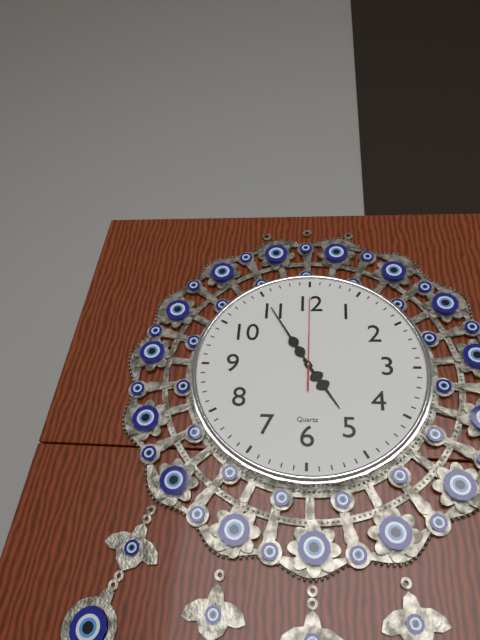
4:55:00
